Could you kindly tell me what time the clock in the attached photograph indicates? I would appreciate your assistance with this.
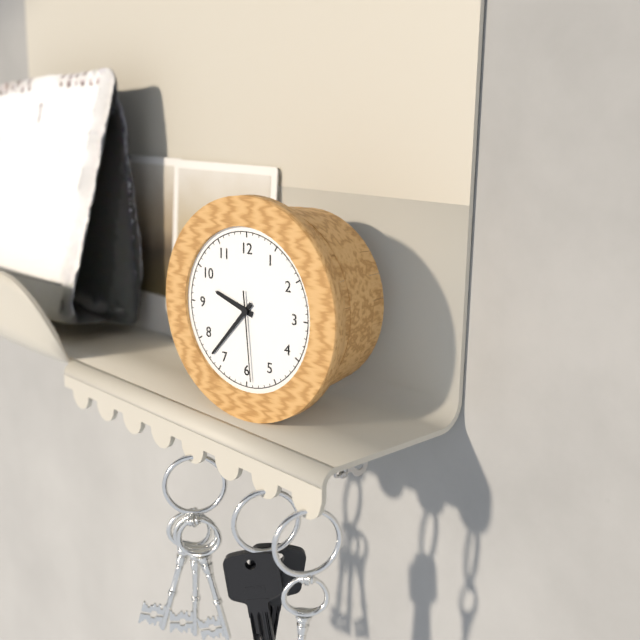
9:37:29
